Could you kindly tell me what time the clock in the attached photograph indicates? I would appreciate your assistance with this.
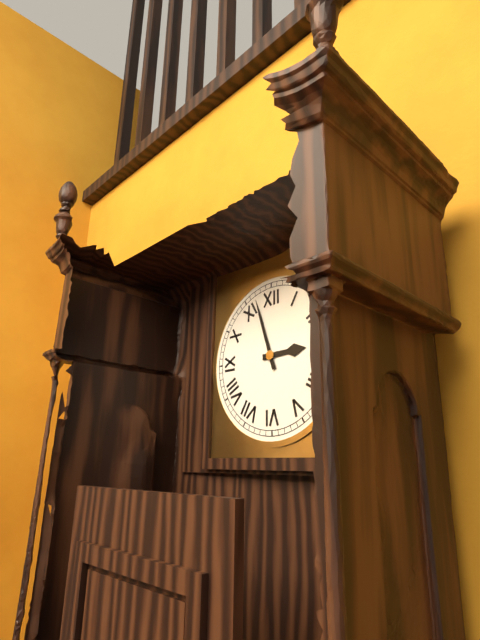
2:57
